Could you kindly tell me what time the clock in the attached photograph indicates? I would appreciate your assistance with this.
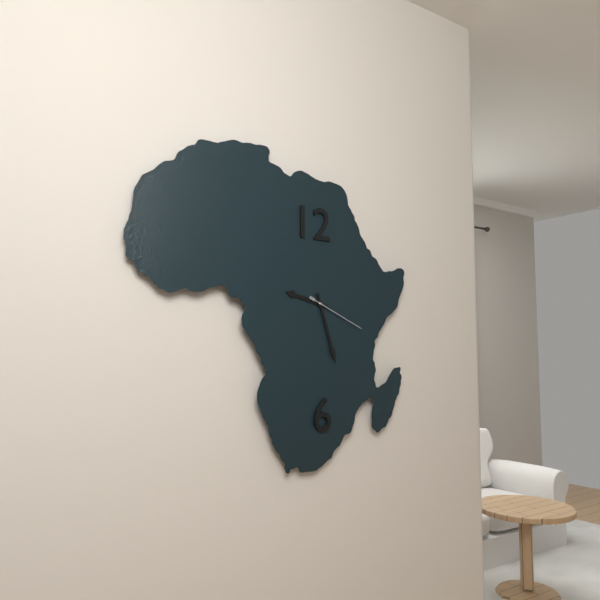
9:27:19
